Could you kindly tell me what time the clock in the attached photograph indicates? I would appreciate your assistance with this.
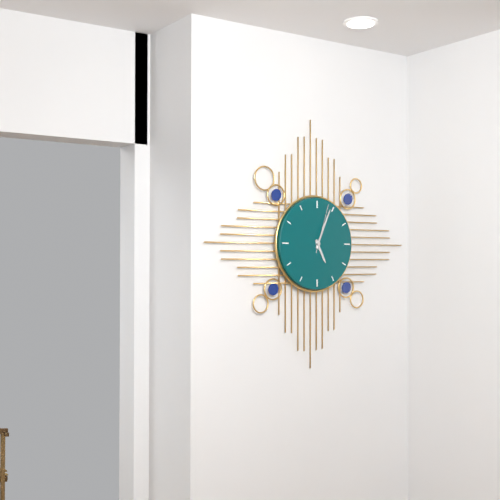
5:04:03
